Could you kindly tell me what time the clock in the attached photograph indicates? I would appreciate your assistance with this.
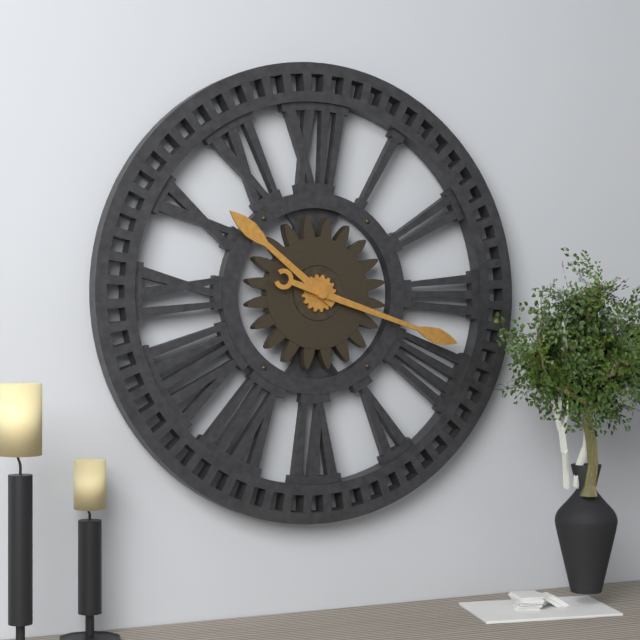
10:18
